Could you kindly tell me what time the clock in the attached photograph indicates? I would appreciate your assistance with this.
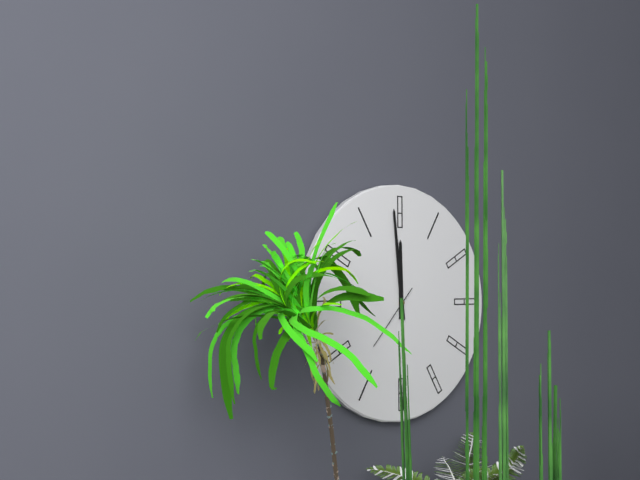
11:59:37
